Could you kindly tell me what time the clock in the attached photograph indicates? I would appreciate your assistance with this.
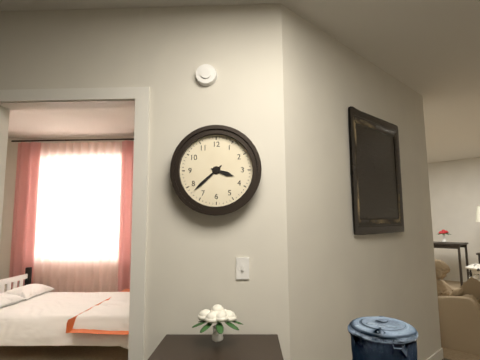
3:38
